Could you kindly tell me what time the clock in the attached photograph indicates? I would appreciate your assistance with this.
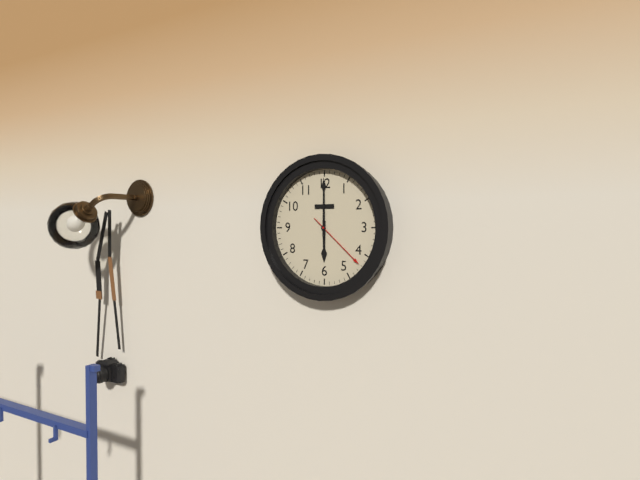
6:00:22
